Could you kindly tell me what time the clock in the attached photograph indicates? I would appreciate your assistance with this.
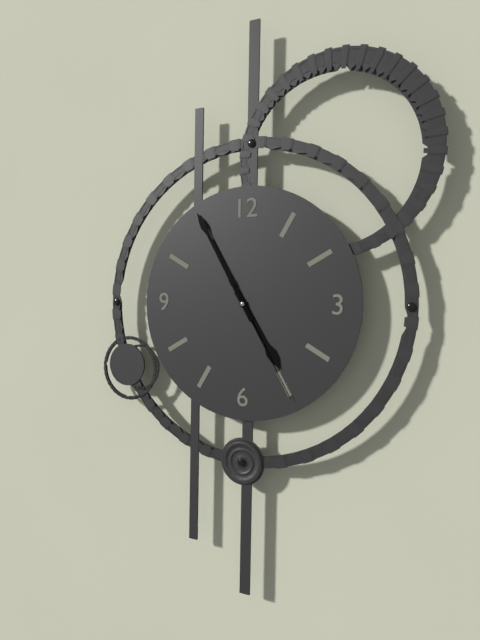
4:55:25
